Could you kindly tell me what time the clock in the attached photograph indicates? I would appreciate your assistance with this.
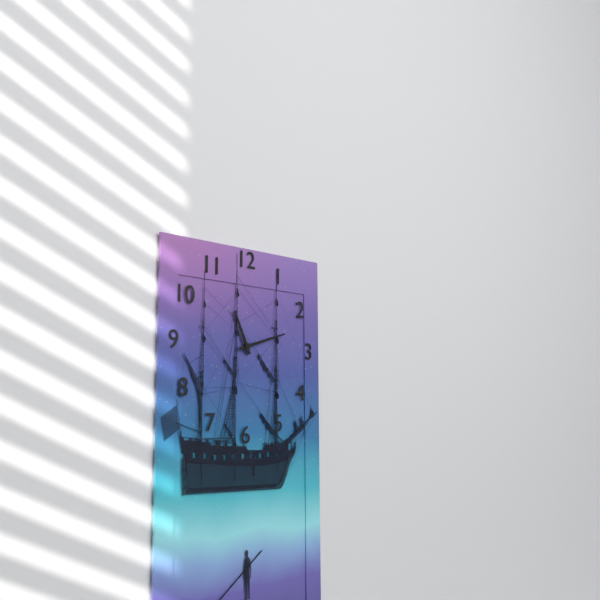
11:12
